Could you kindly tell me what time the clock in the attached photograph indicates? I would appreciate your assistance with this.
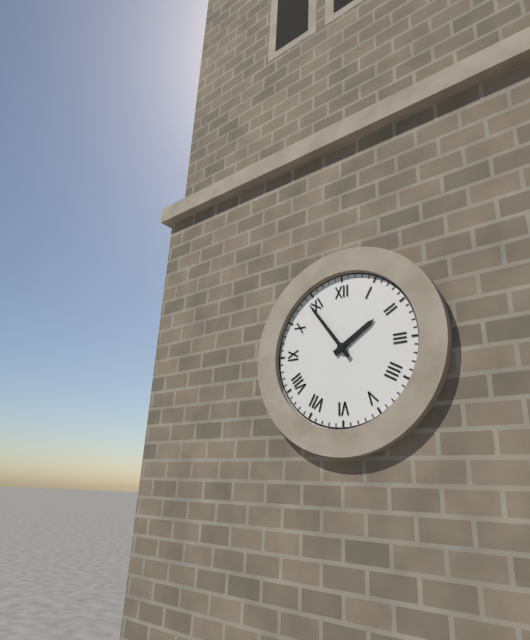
1:54
